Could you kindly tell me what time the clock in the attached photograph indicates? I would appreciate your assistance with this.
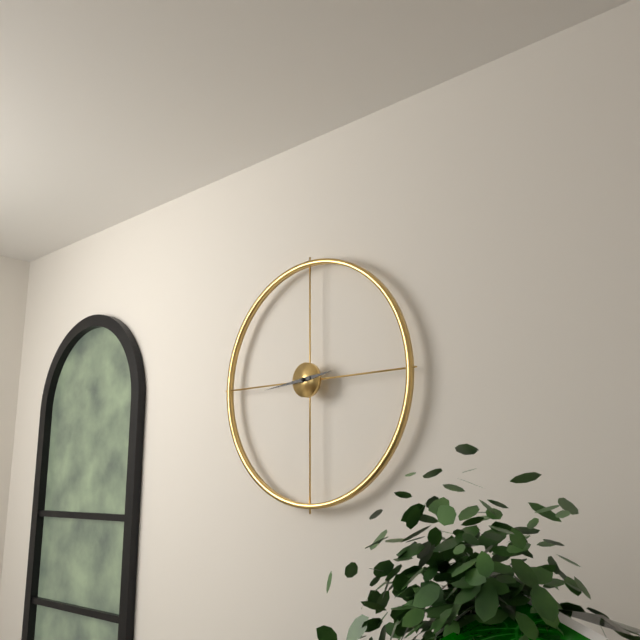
2:44
